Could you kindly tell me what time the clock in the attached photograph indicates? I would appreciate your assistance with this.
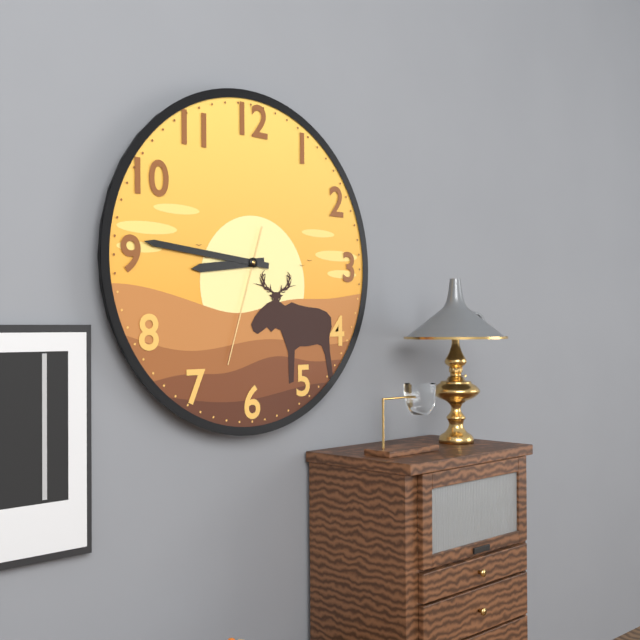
8:46:33
